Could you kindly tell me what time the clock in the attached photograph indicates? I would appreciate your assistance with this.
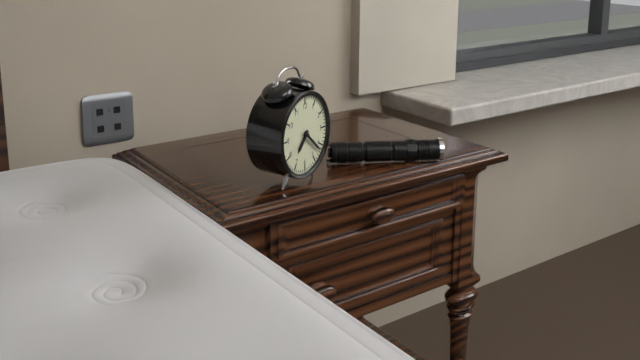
7:22
